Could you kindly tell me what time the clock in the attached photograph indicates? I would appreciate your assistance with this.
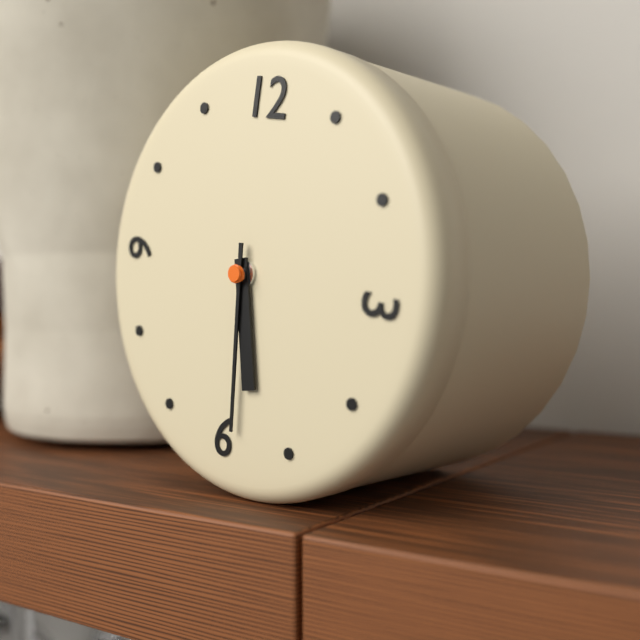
5:29
